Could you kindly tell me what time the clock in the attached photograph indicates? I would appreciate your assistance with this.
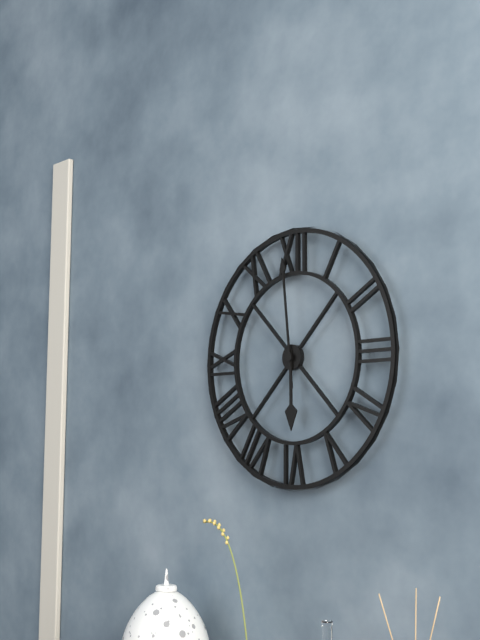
5:59
